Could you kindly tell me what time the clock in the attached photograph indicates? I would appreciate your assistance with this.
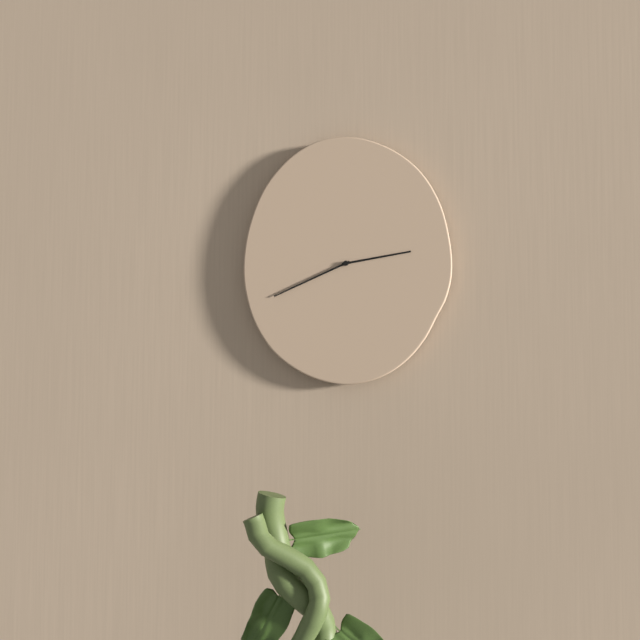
2:41
